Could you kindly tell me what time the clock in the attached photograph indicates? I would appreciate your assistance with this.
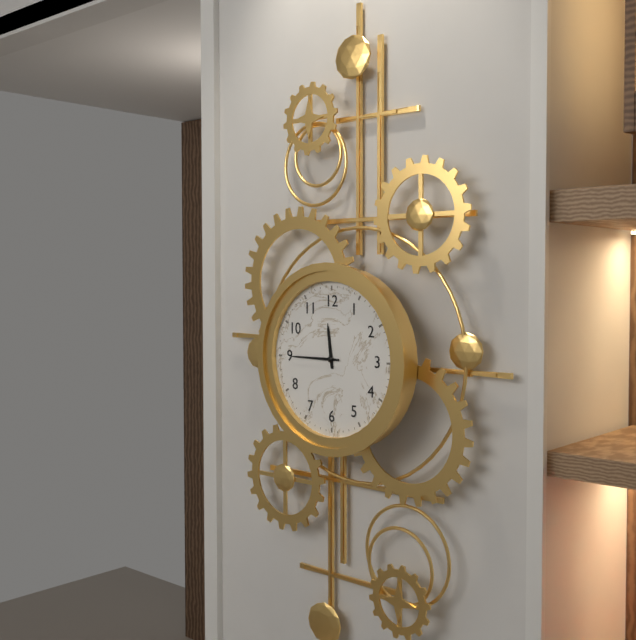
11:45
